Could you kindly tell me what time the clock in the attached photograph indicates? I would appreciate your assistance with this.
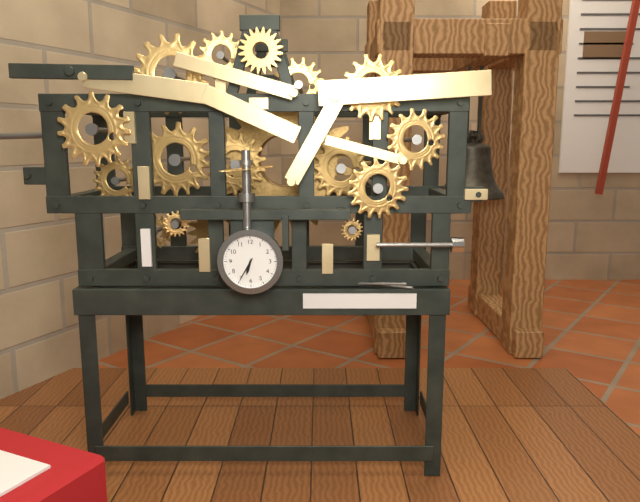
6:35
